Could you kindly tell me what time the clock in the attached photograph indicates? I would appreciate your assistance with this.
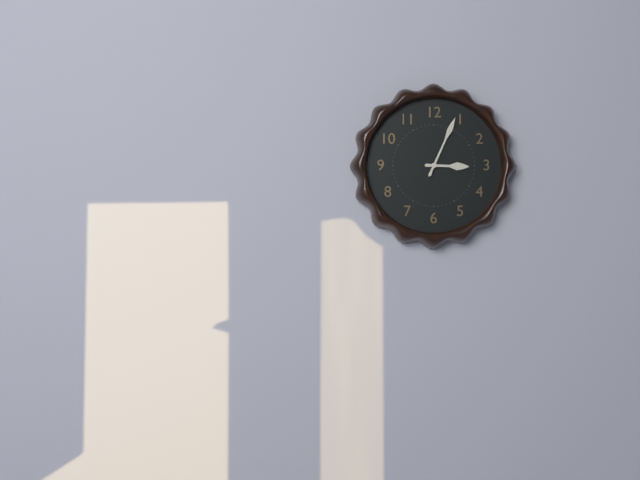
3:04
